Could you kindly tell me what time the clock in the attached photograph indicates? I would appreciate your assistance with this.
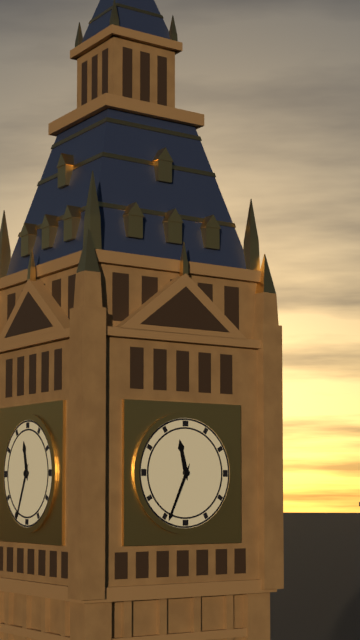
11:34
